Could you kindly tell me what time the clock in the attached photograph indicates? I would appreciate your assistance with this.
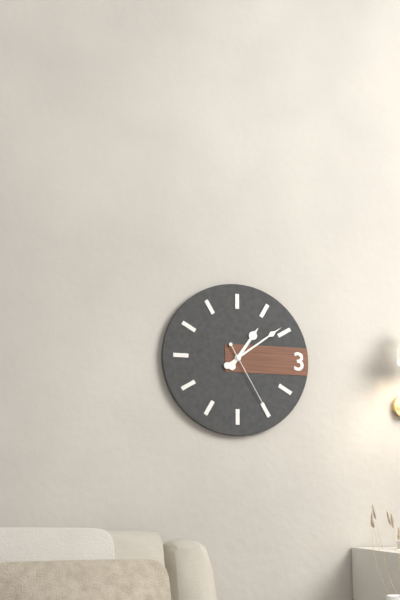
1:09:25
